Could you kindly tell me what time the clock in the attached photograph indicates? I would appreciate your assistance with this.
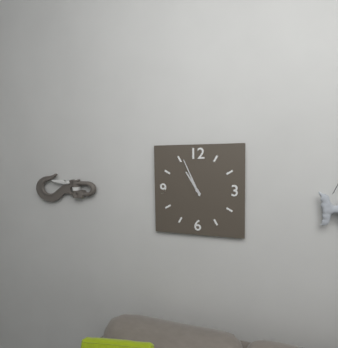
10:56
